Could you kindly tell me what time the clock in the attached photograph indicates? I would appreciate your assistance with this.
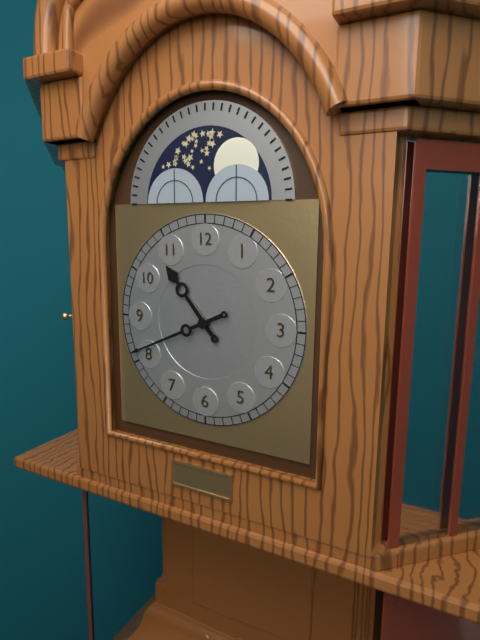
10:41
